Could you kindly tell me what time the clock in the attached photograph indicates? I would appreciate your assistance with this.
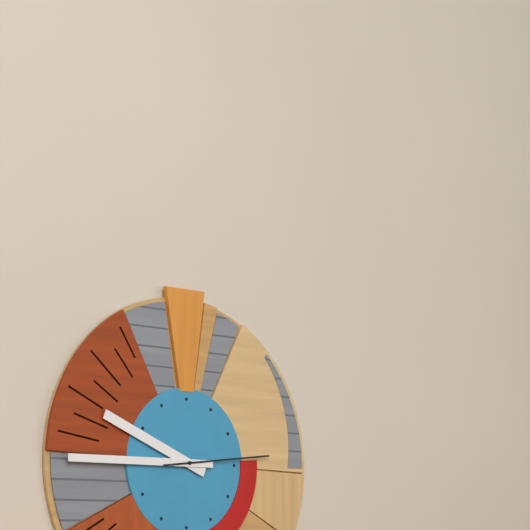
9:45:14
